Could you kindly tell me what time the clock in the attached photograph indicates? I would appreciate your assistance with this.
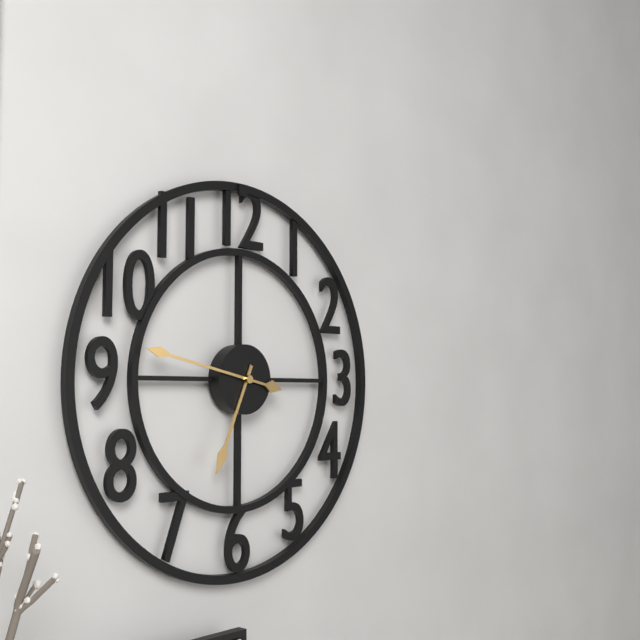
6:47
